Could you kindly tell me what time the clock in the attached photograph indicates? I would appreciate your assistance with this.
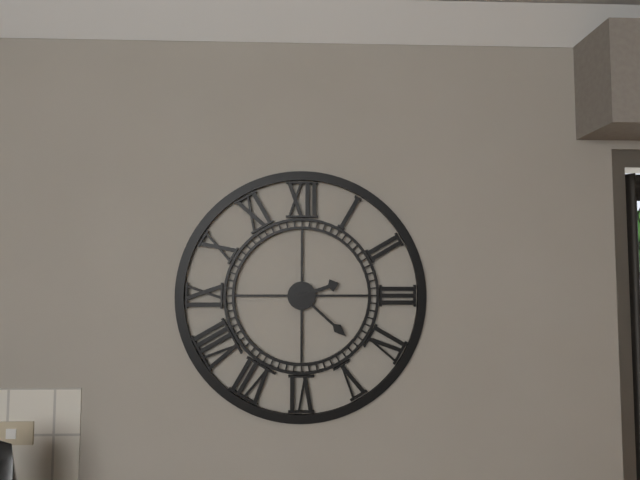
2:22
